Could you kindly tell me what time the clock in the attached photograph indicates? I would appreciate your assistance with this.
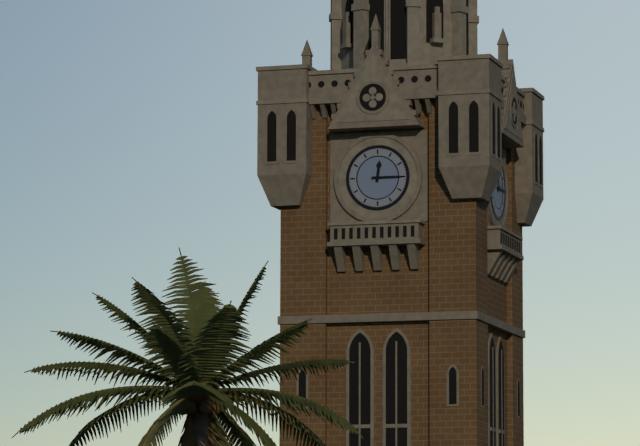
12:15
